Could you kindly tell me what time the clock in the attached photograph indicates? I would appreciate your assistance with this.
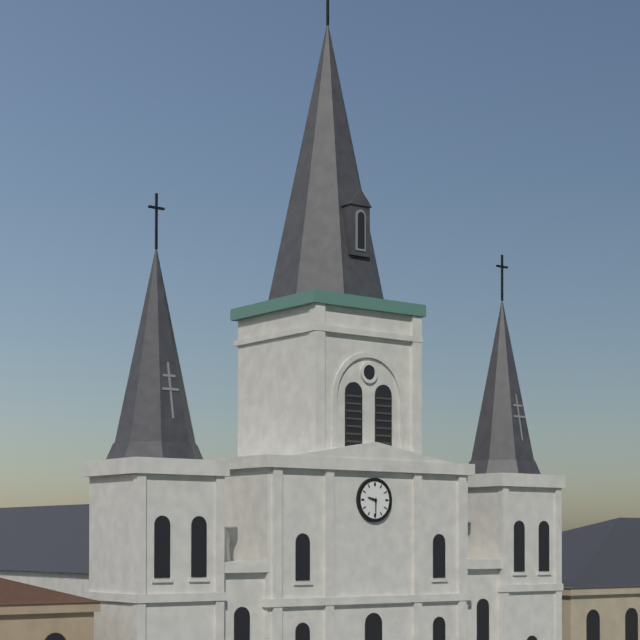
9:30
